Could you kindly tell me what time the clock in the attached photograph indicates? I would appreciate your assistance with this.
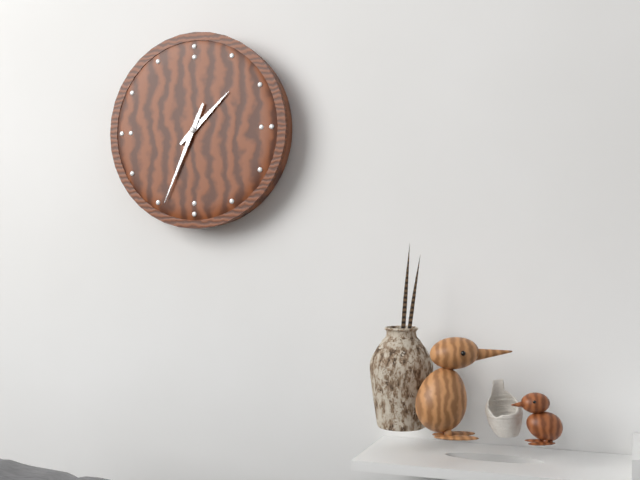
1:34
